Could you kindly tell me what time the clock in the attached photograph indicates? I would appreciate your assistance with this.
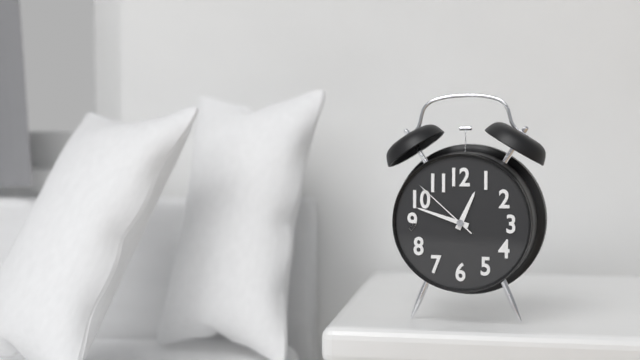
12:48:52
